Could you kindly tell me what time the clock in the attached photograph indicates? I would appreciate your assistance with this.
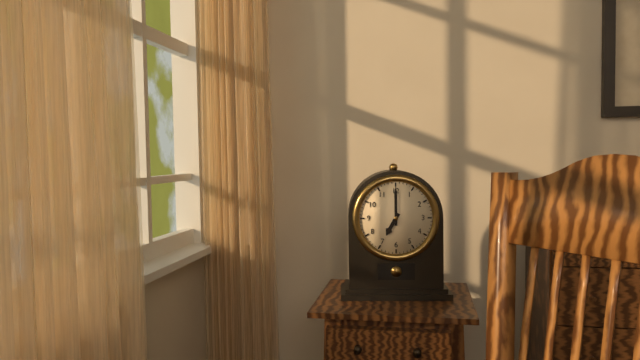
7:00
